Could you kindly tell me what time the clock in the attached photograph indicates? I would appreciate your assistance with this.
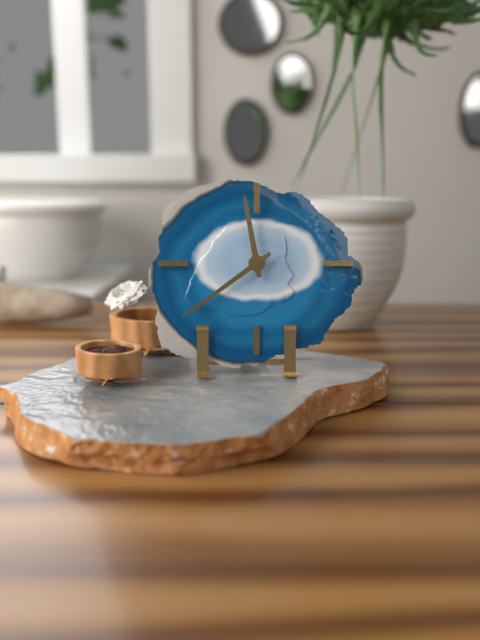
11:39
